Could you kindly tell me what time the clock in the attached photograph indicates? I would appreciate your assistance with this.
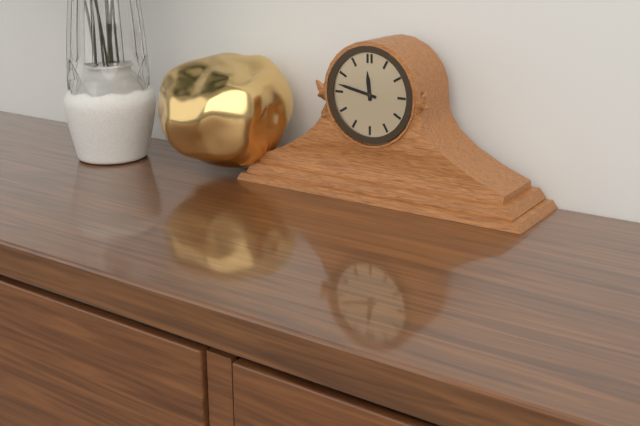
11:47
